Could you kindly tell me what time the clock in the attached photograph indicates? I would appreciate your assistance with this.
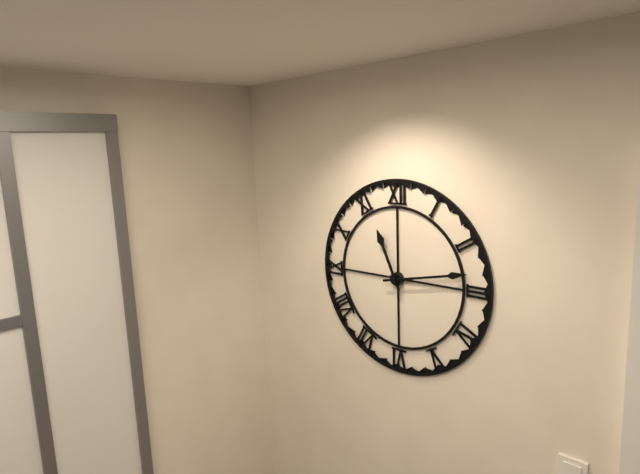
11:13
